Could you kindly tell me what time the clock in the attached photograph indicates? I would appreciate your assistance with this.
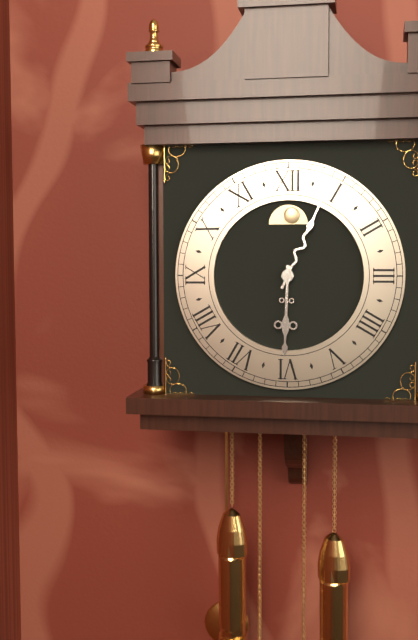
6:04
